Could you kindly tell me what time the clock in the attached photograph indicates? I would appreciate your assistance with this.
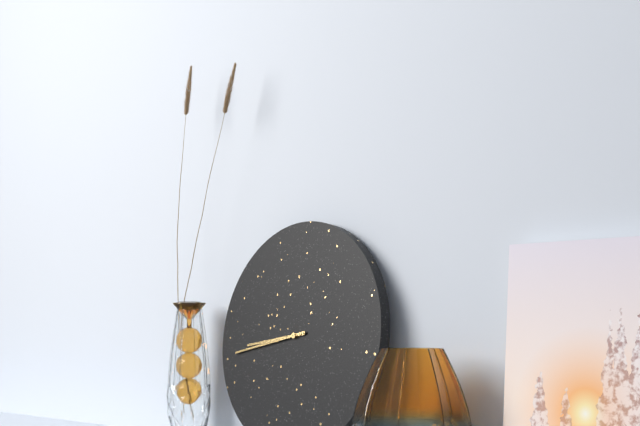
8:43
